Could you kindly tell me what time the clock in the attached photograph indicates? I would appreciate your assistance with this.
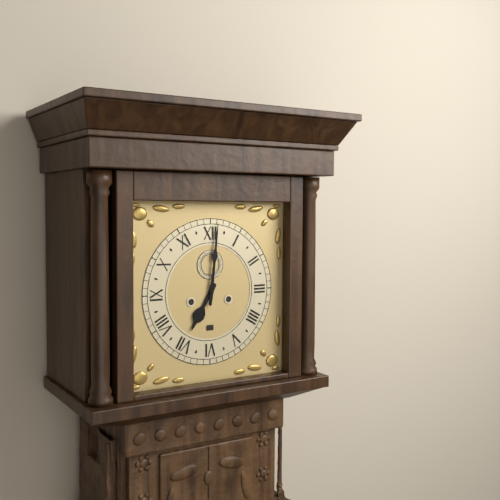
7:01
